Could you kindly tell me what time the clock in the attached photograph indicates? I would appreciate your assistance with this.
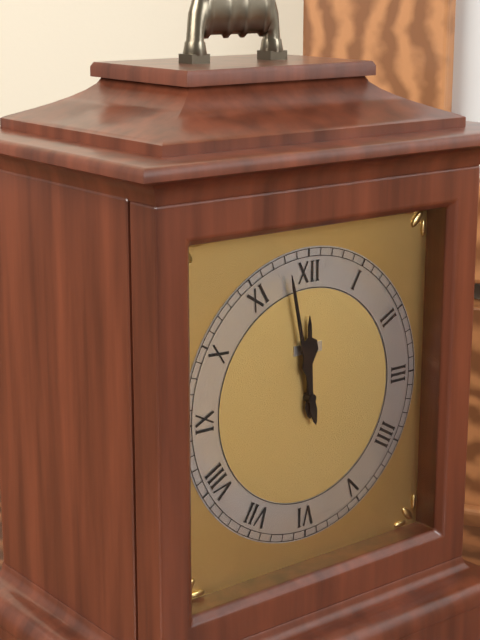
11:58
